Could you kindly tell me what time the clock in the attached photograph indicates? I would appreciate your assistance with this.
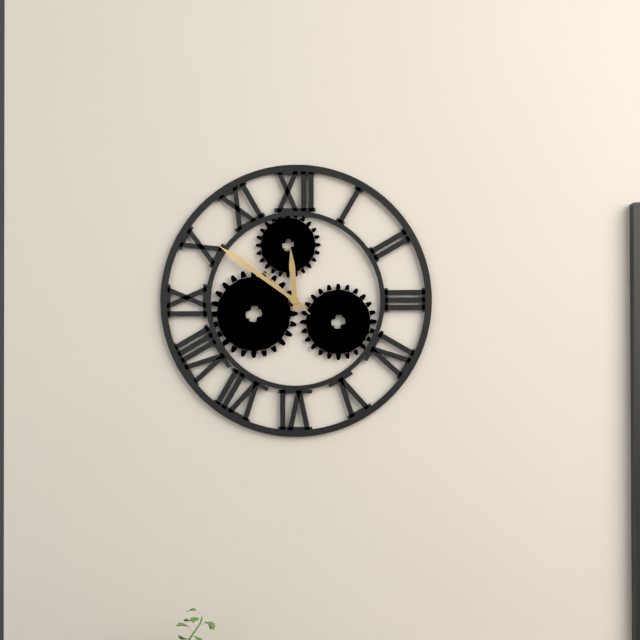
11:51:52
